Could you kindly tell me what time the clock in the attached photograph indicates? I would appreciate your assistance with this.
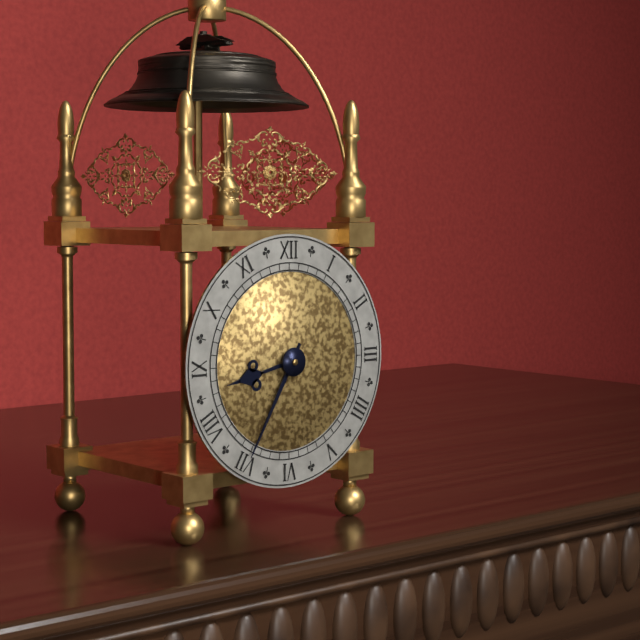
8:35
